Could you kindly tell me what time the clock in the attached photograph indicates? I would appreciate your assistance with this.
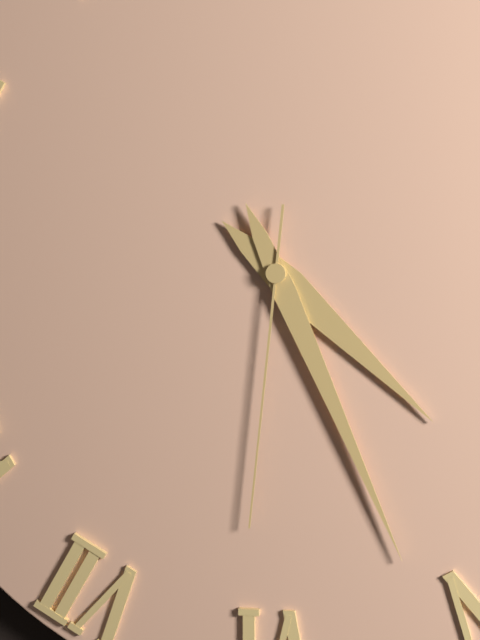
4:26:31
